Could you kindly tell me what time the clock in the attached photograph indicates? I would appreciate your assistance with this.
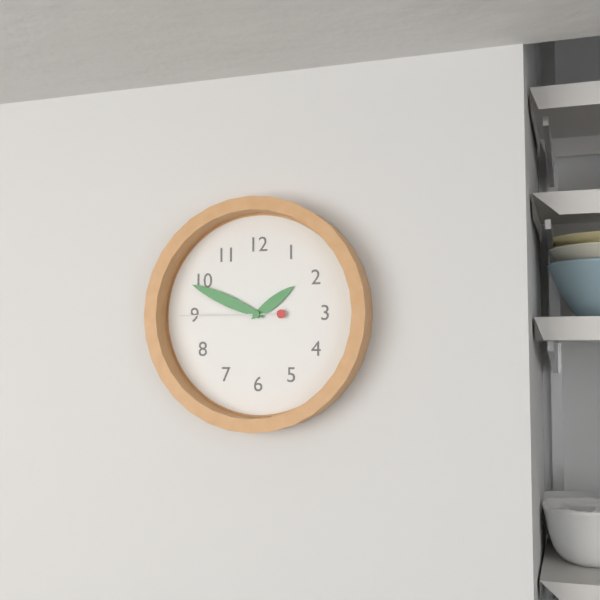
1:49:45
